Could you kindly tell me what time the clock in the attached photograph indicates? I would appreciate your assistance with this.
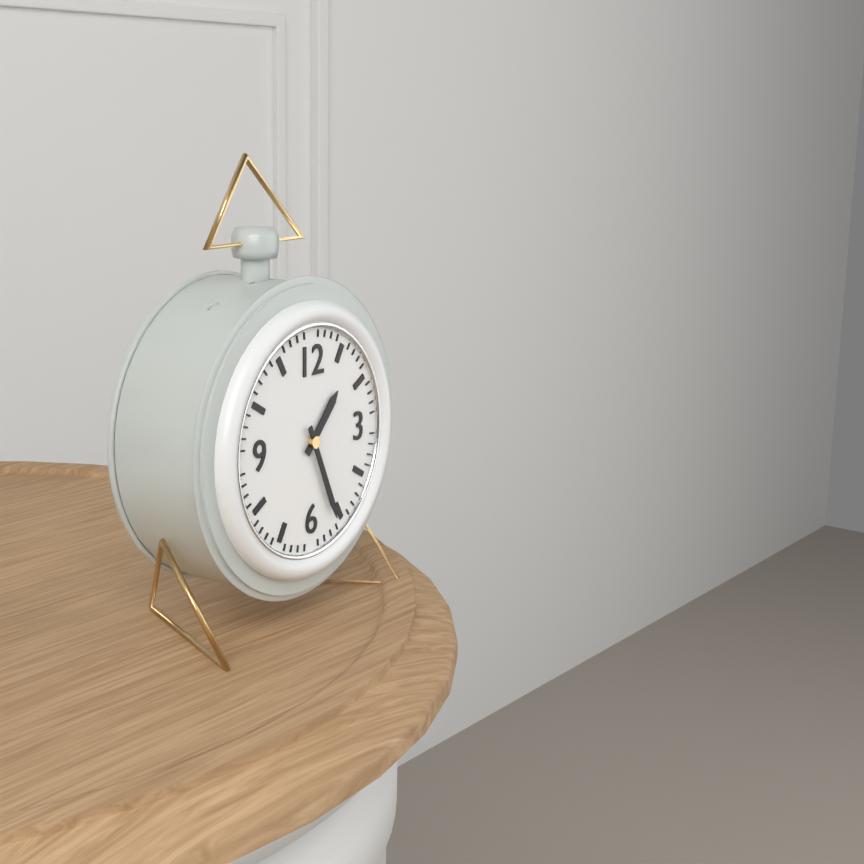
1:26
